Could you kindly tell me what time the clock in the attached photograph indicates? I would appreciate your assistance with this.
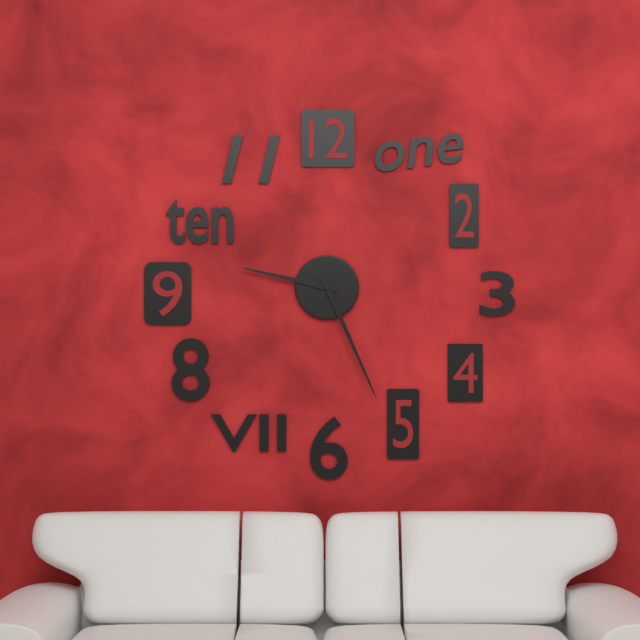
9:26
